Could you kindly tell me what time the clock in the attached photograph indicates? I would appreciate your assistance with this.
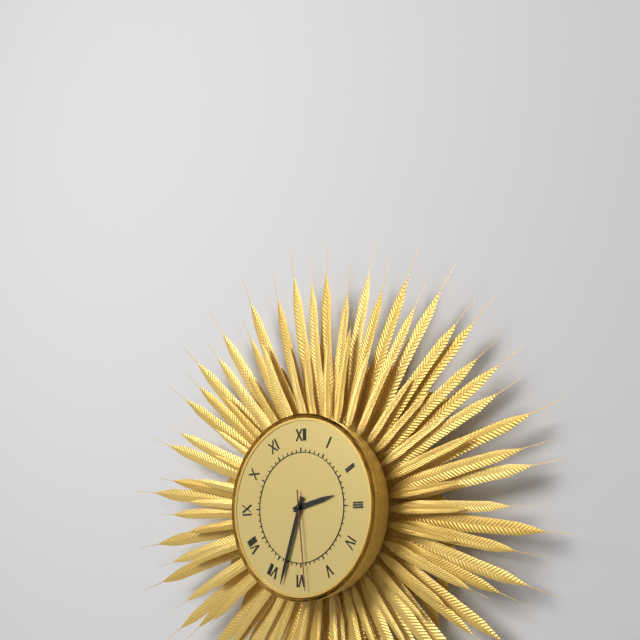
2:33:29
